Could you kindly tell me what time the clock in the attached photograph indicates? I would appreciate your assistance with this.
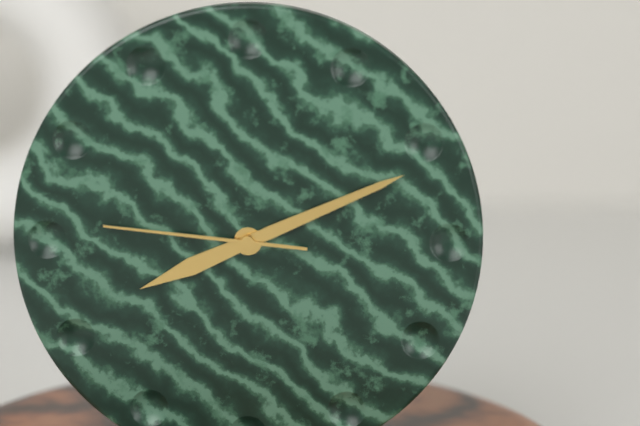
8:11:46
